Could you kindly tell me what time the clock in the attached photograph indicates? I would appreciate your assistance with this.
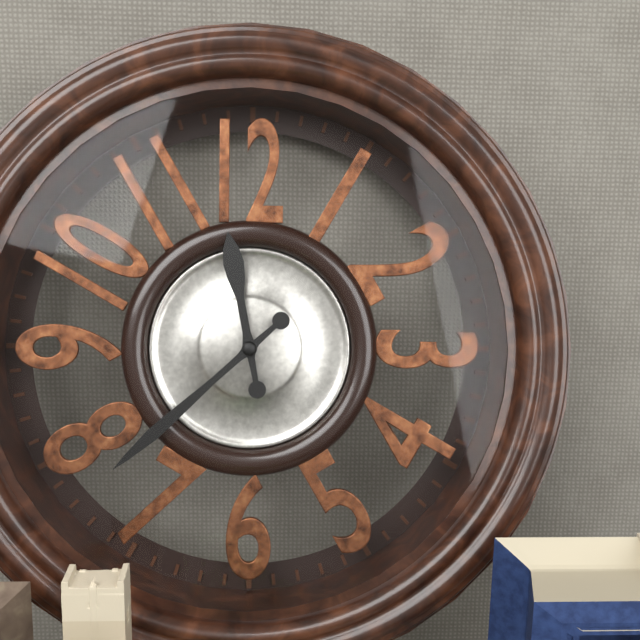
11:38
